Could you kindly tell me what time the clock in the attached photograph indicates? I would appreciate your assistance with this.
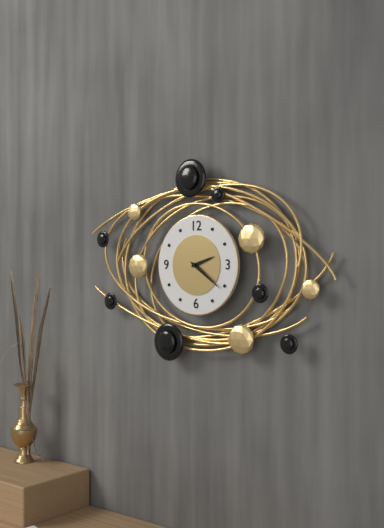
2:21
